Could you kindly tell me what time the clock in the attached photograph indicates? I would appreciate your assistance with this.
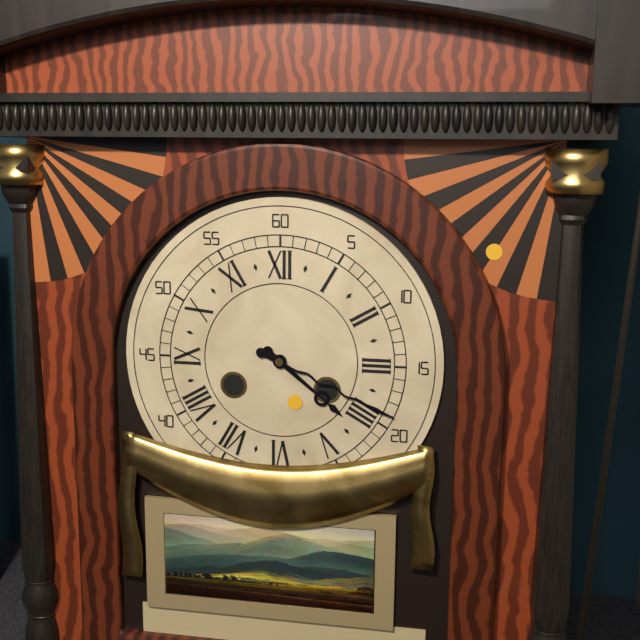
4:19
